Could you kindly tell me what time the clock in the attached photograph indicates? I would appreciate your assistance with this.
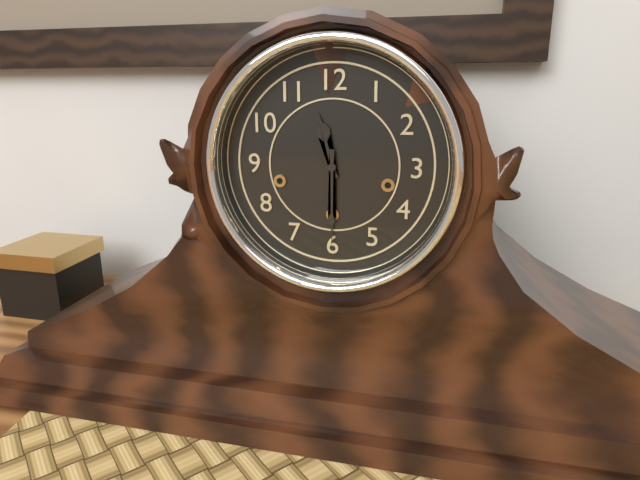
11:30
